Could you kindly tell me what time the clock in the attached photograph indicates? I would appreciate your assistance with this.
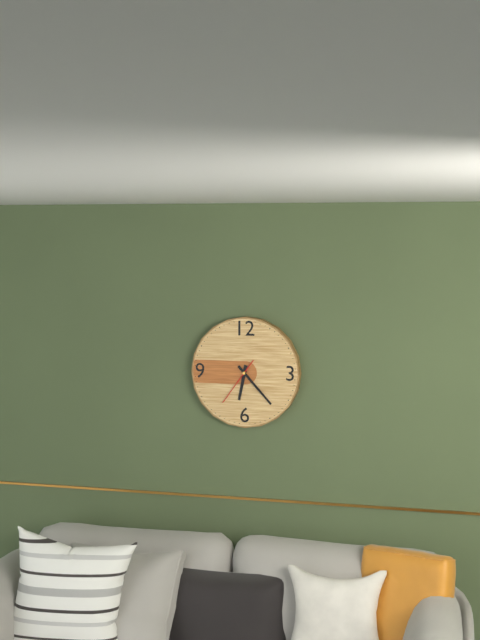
6:23
